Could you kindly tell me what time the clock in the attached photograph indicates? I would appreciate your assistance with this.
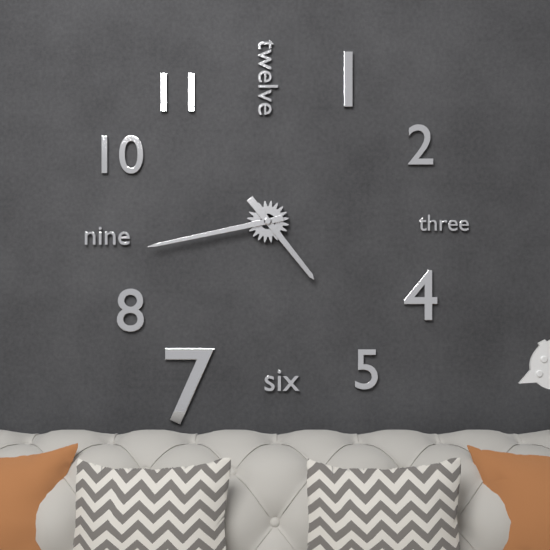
4:43
